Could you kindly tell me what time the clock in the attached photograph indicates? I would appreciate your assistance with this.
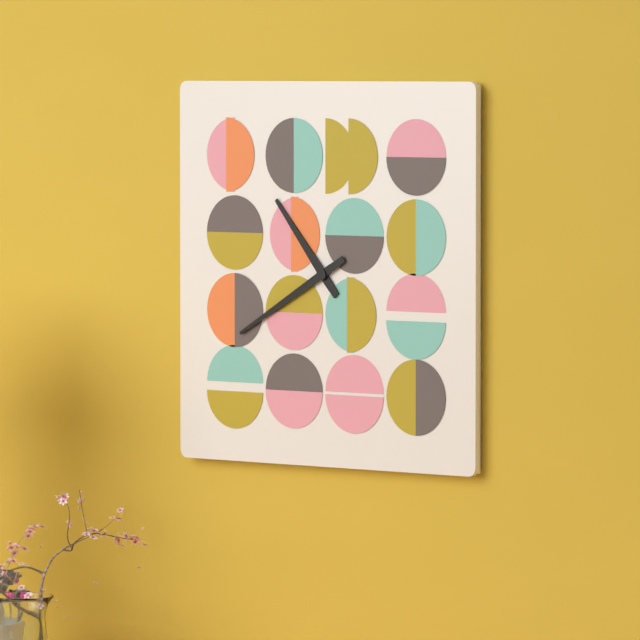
10:40
